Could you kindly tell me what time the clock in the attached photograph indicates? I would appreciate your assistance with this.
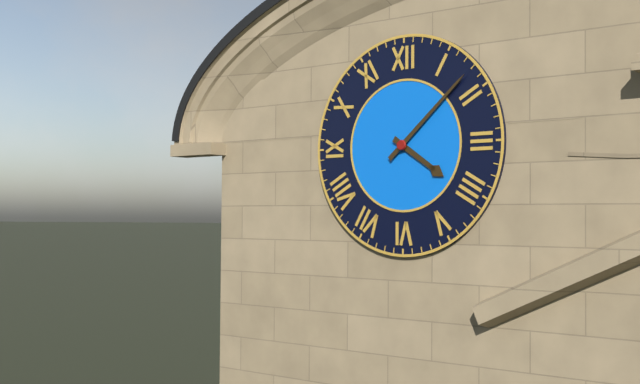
4:08
